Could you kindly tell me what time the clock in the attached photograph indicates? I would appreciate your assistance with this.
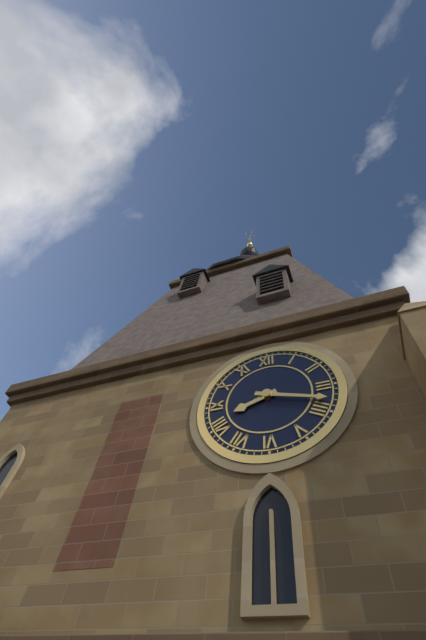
8:18
